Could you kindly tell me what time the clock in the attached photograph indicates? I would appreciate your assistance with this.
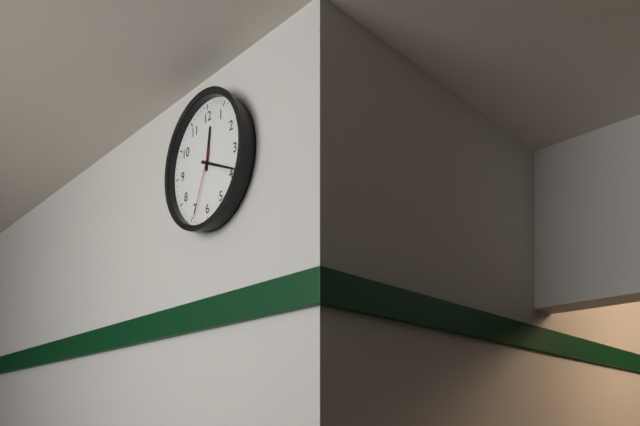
12:19:34
